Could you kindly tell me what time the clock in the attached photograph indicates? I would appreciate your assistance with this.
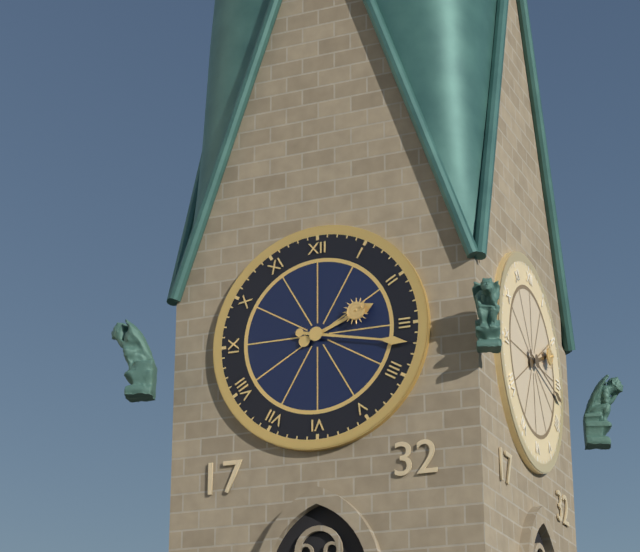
2:17
